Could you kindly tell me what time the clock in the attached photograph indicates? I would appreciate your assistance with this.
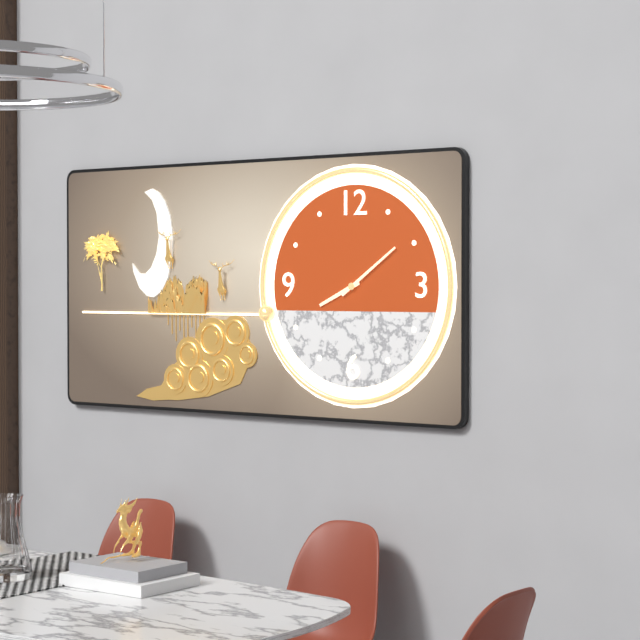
8:09
